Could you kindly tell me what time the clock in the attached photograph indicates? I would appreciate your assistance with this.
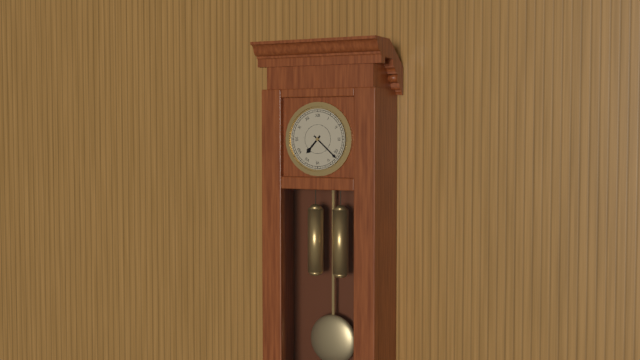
7:22
